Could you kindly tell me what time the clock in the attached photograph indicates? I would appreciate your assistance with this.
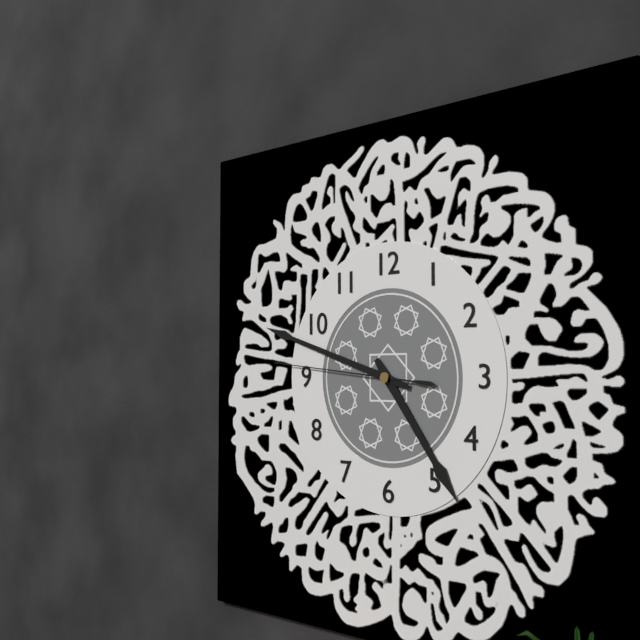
4:48:46
